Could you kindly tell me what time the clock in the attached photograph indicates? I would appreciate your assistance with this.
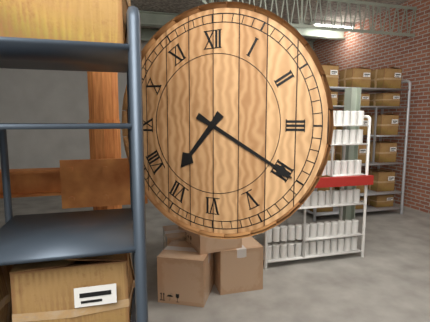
7:20
